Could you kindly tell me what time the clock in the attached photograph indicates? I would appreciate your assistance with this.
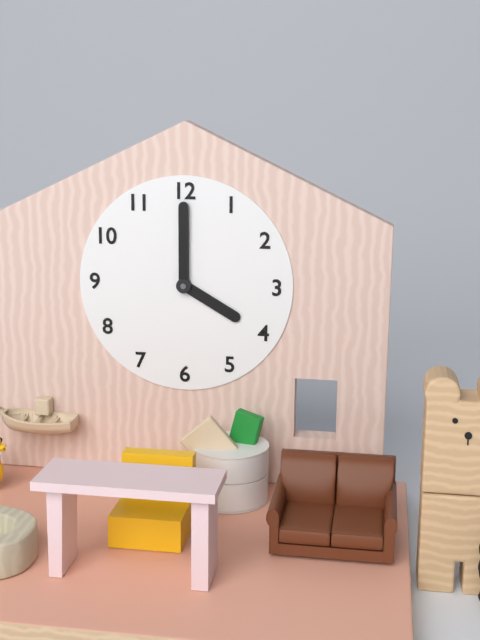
4:00
